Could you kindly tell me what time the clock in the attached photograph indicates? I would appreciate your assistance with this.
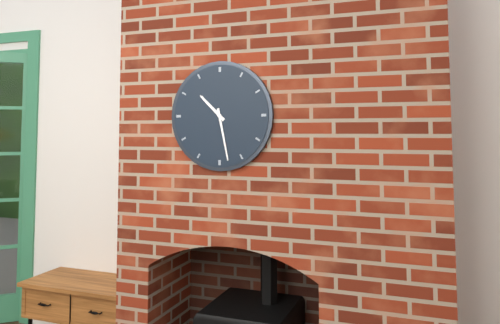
10:28
